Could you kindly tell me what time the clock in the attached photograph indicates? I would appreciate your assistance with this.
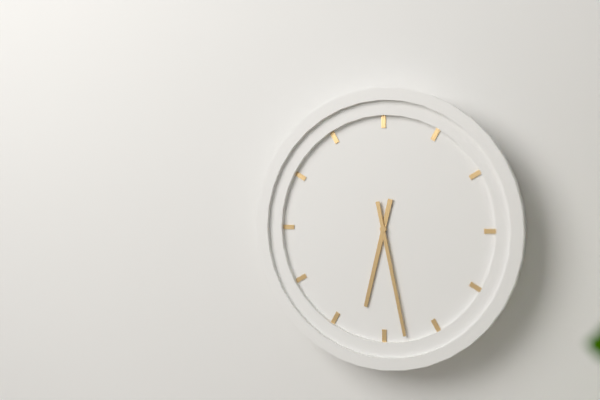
6:28
